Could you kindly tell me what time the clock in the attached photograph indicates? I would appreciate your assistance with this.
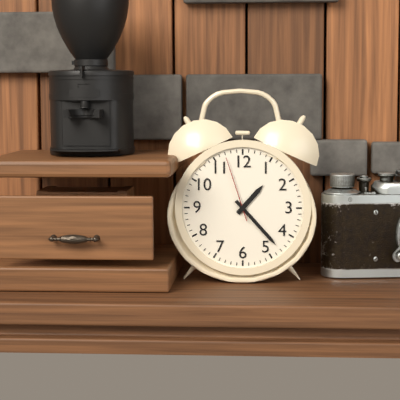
1:23:57
